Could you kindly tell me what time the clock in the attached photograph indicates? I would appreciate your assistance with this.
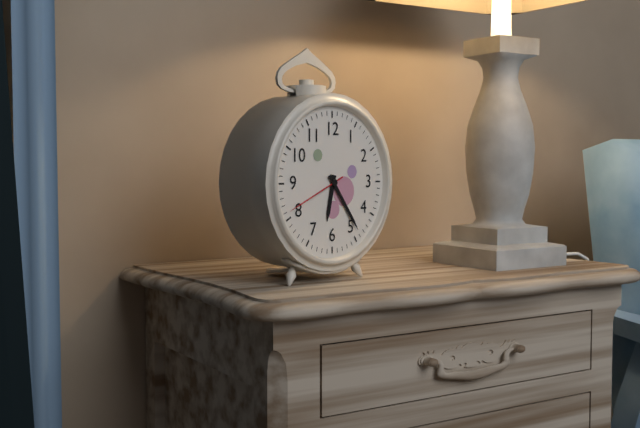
6:24:41
